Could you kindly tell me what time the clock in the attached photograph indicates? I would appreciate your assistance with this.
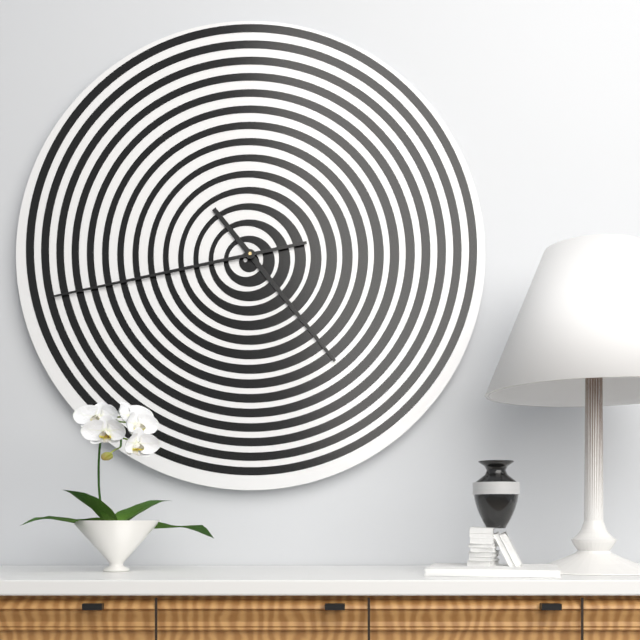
4:43
